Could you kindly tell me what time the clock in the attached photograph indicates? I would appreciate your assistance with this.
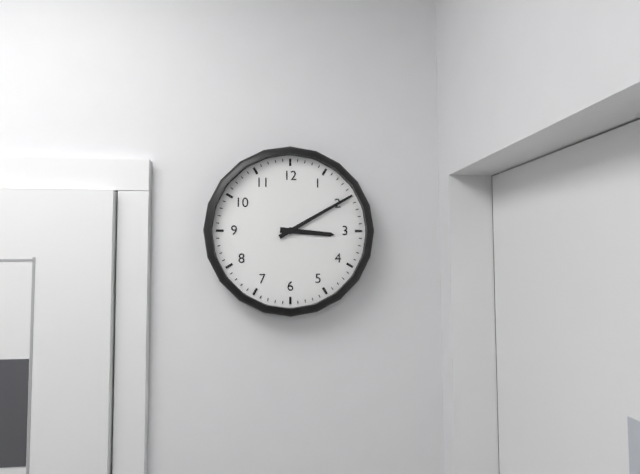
3:10
